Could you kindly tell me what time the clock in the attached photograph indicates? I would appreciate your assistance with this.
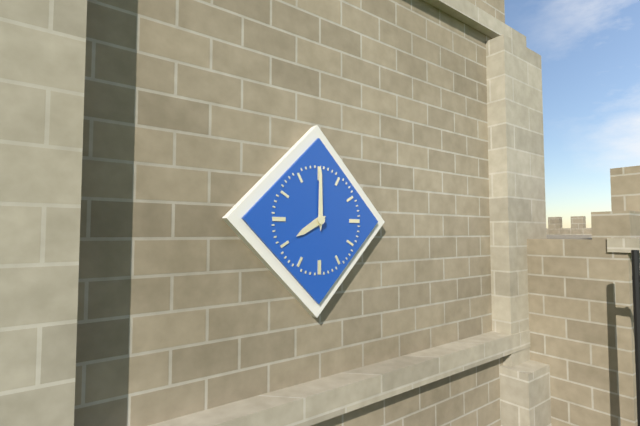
8:00
